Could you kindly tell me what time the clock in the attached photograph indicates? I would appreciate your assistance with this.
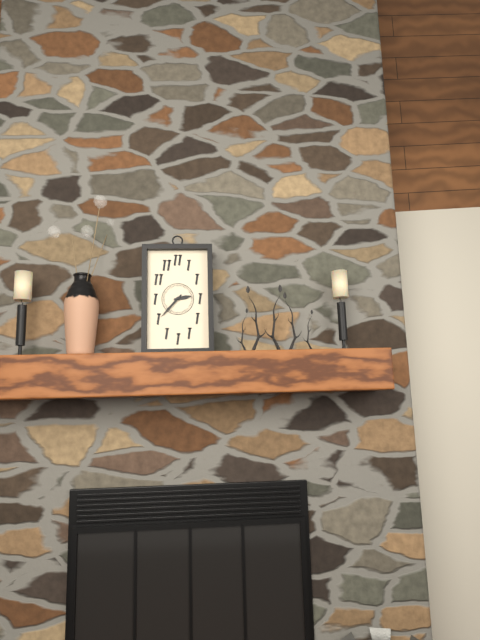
2:37
